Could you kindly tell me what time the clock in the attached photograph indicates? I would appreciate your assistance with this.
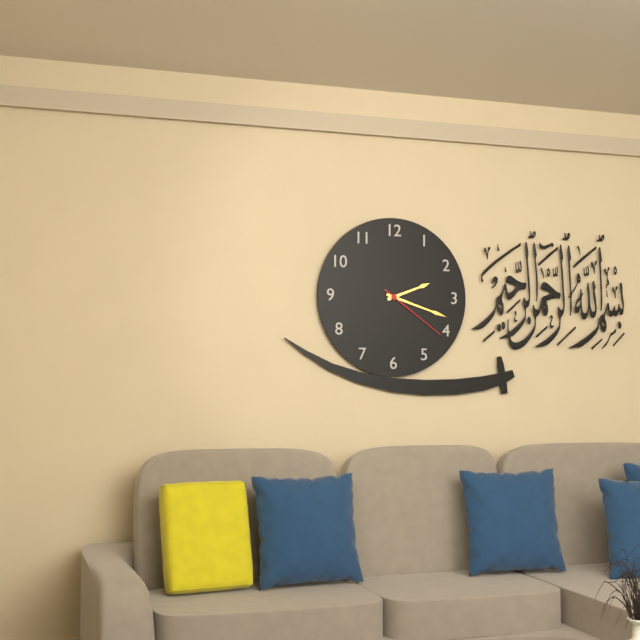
2:18:21
